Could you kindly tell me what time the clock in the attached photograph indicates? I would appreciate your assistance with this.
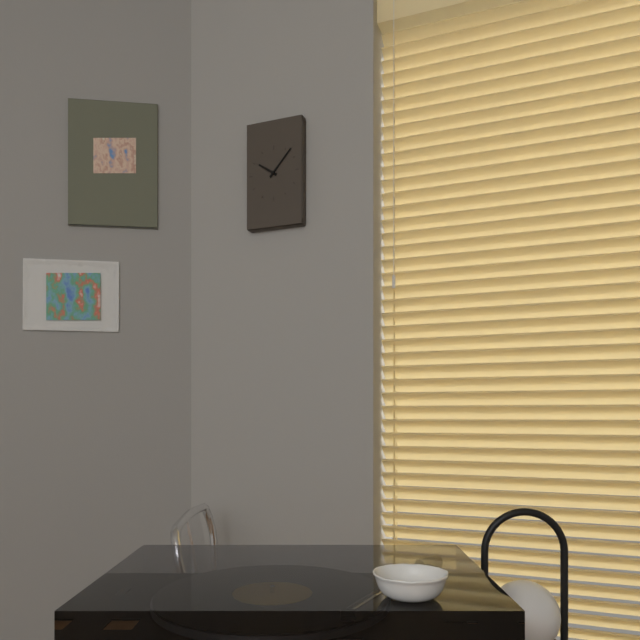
10:07
